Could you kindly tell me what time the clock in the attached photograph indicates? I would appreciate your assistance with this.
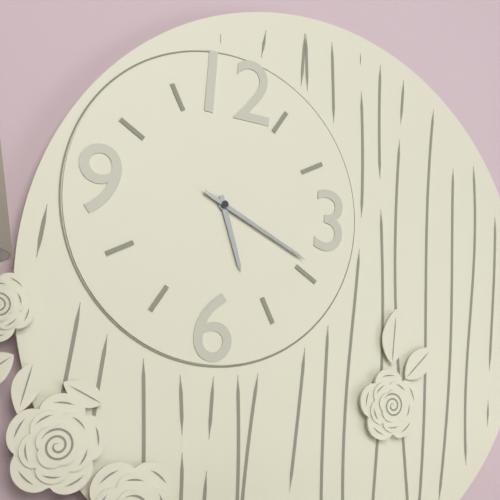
5:19
